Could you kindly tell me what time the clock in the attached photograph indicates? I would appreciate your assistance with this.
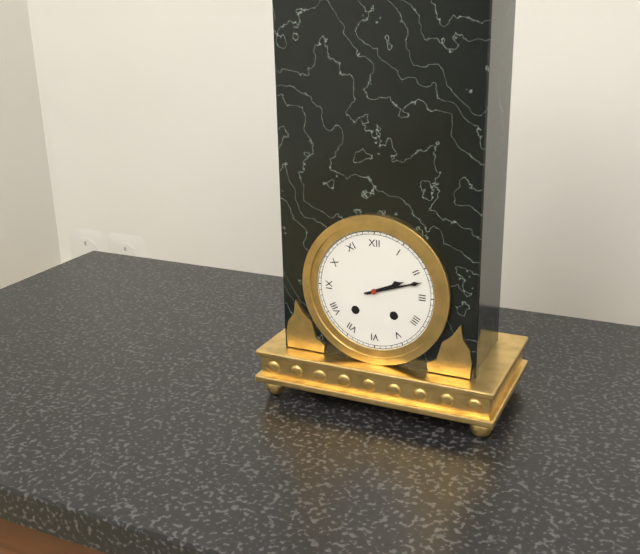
2:12
